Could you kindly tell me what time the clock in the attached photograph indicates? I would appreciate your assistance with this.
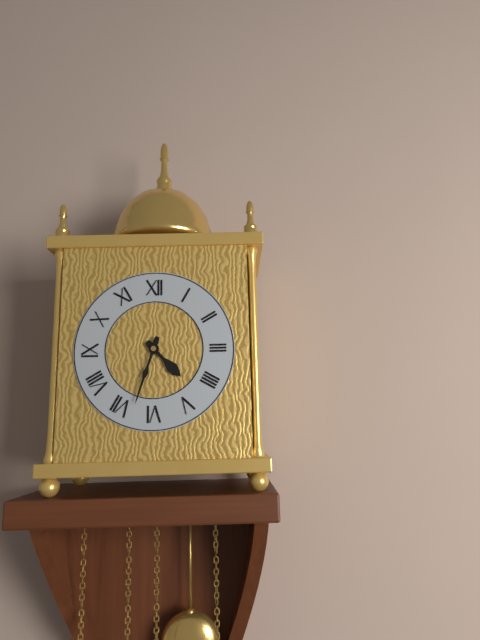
4:33
